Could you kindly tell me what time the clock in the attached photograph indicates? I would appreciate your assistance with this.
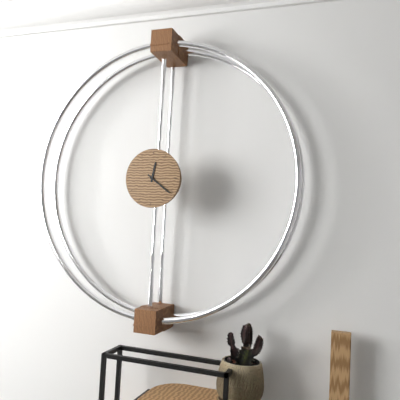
12:21
